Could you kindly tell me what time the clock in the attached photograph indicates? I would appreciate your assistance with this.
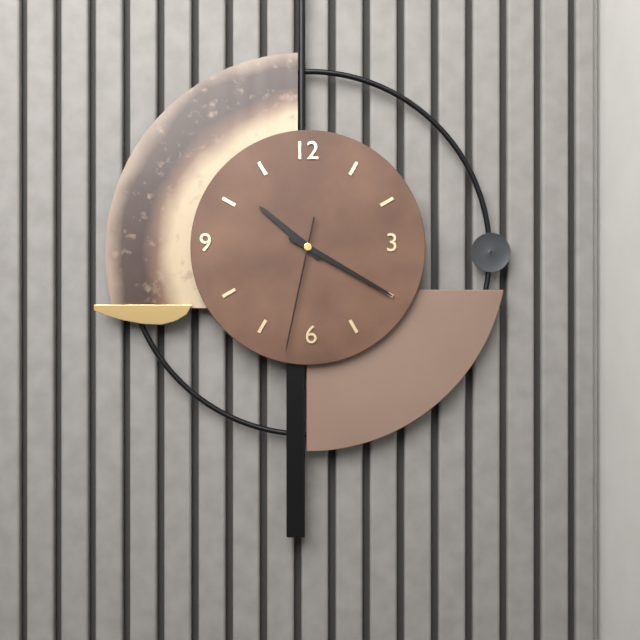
10:20:32
